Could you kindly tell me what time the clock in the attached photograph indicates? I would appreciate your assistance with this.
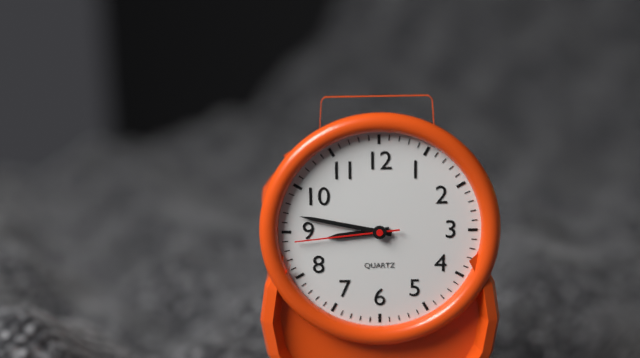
8:47:44
